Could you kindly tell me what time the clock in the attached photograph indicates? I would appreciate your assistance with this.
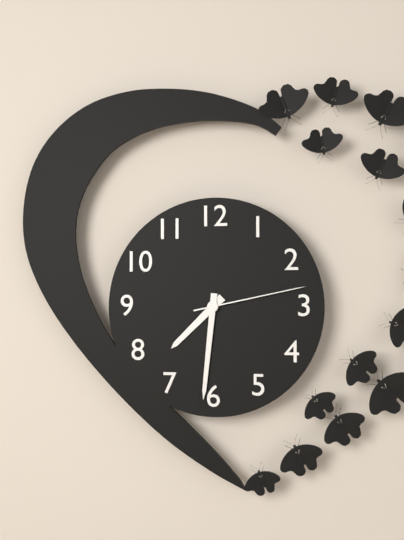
7:31:13
